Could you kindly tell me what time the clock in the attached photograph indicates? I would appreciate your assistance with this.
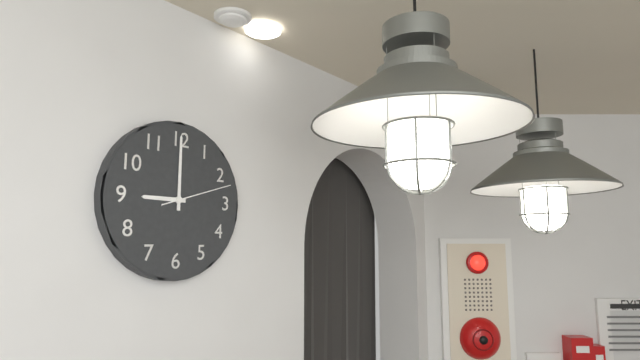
9:00:12
